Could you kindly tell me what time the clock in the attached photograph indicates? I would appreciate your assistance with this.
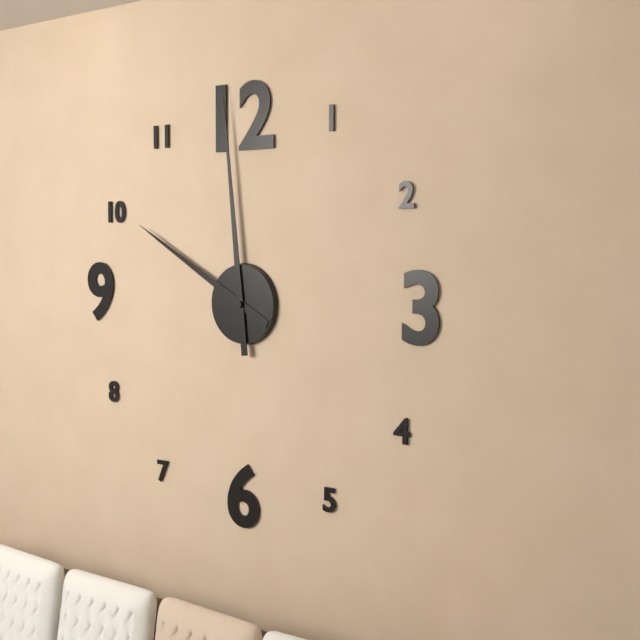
9:59
